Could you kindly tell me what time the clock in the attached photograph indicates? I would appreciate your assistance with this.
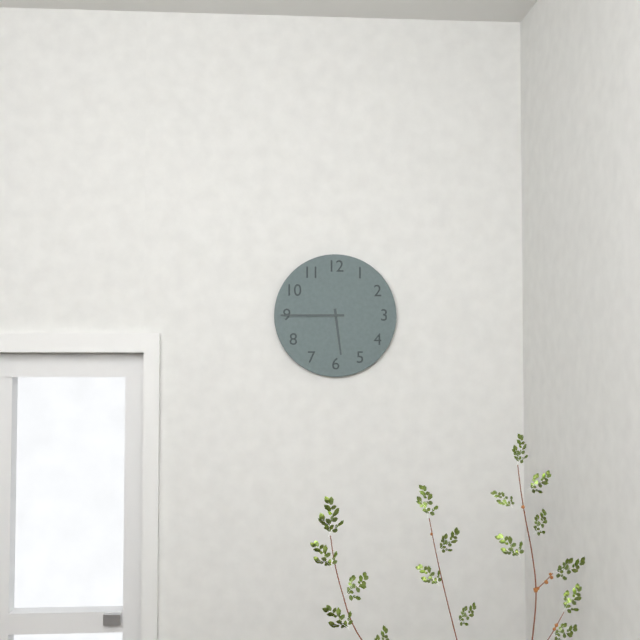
5:45
